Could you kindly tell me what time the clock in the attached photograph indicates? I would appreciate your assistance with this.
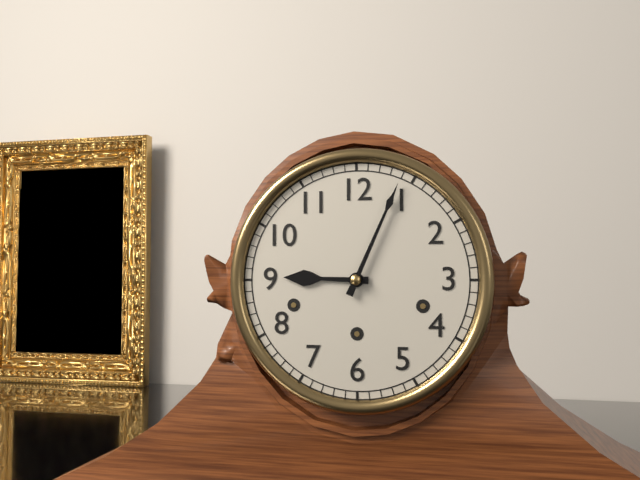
9:04
